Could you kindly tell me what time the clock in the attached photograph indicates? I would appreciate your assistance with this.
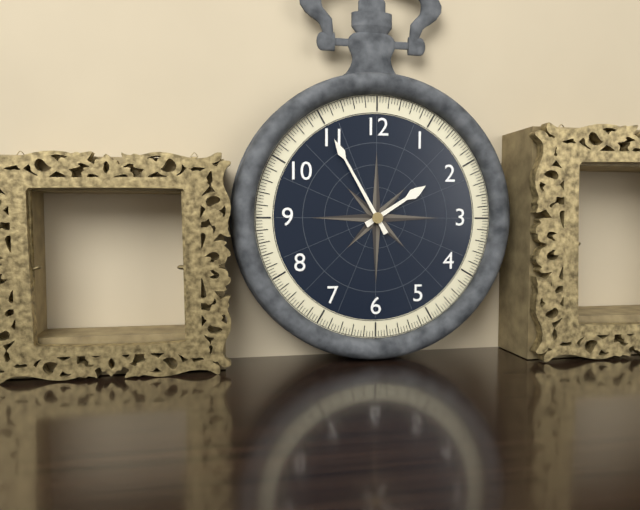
1:55
